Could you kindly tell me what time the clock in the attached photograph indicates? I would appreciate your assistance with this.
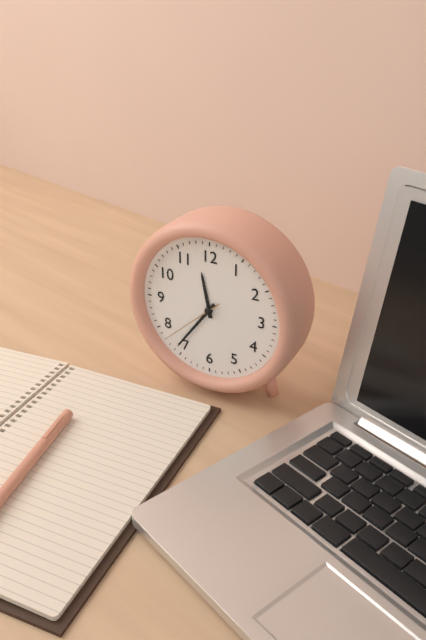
11:36:38
